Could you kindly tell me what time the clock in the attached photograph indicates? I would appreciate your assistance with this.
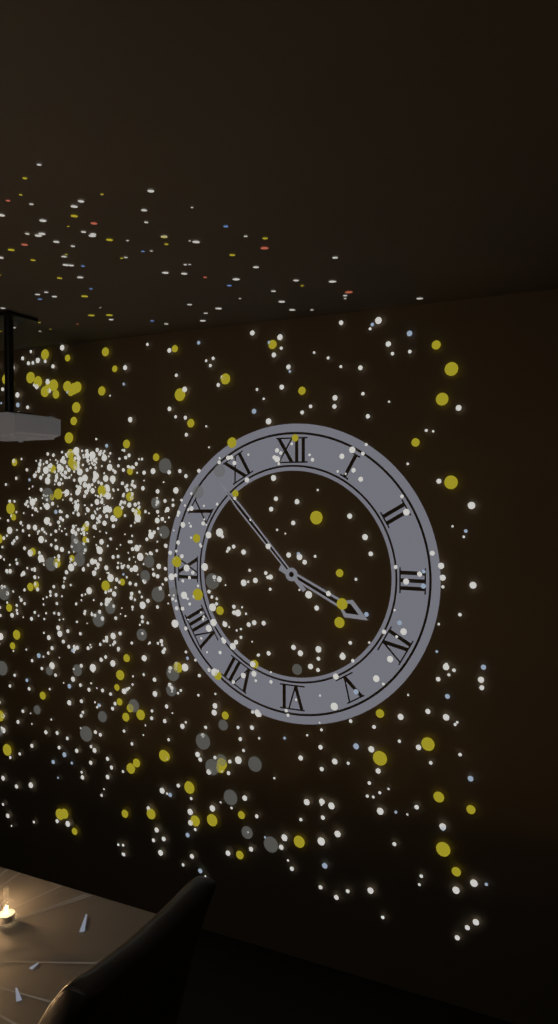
3:53
